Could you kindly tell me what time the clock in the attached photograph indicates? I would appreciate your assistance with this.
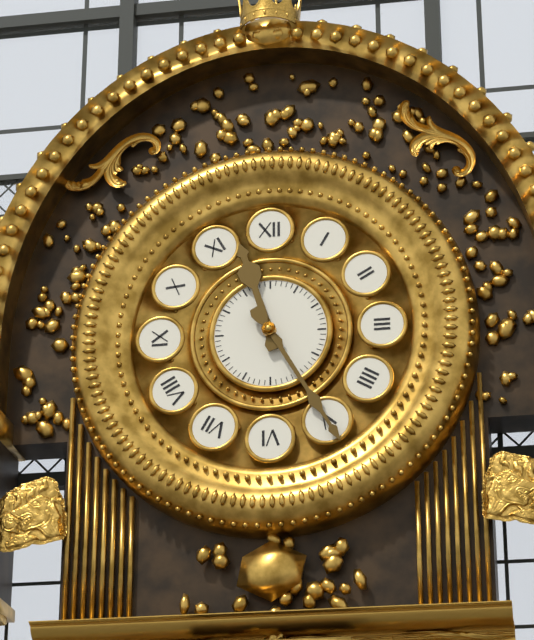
11:25
